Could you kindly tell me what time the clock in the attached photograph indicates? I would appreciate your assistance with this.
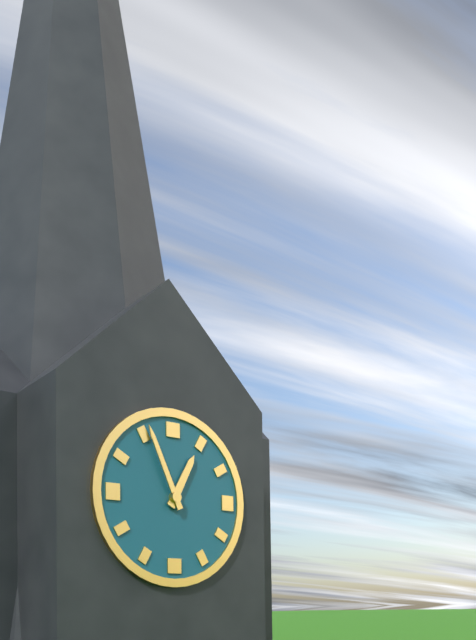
12:56
